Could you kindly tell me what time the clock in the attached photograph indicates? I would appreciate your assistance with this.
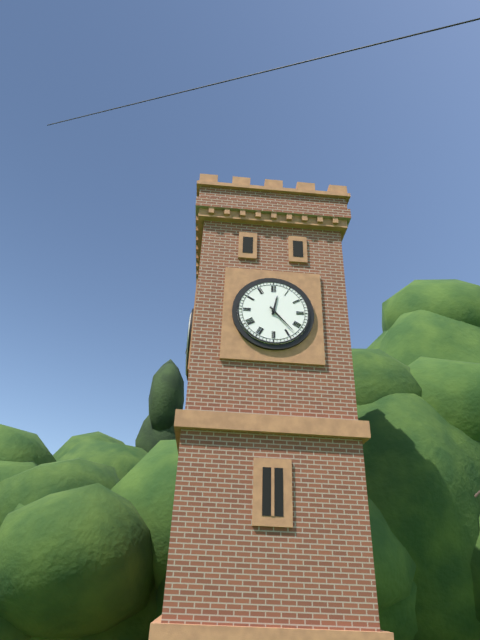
12:23
